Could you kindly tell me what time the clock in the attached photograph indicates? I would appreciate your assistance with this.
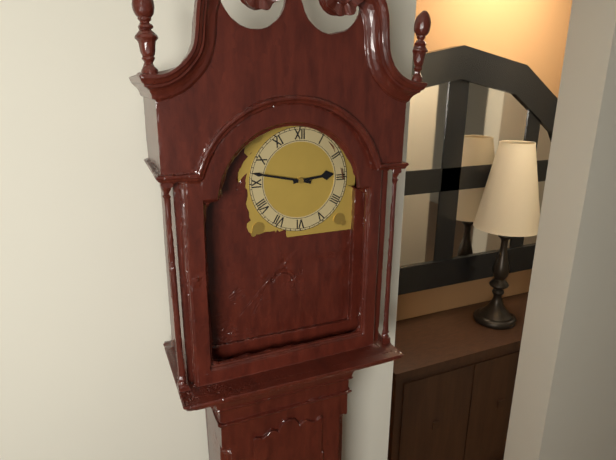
2:47
